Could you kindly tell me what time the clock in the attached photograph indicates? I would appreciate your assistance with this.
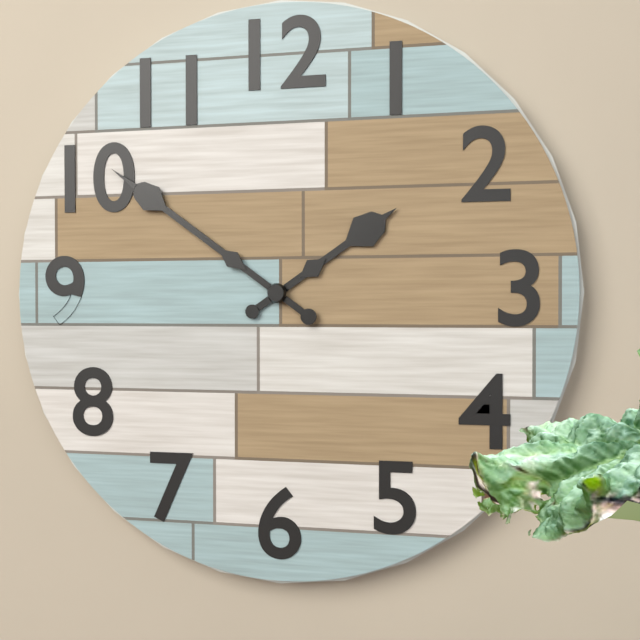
1:51
